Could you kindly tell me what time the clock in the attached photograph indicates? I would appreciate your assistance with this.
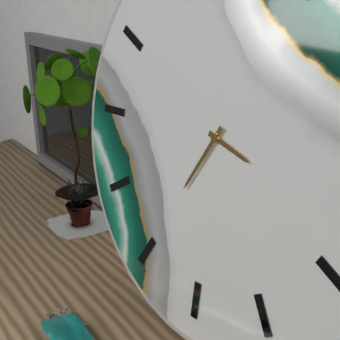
3:35
